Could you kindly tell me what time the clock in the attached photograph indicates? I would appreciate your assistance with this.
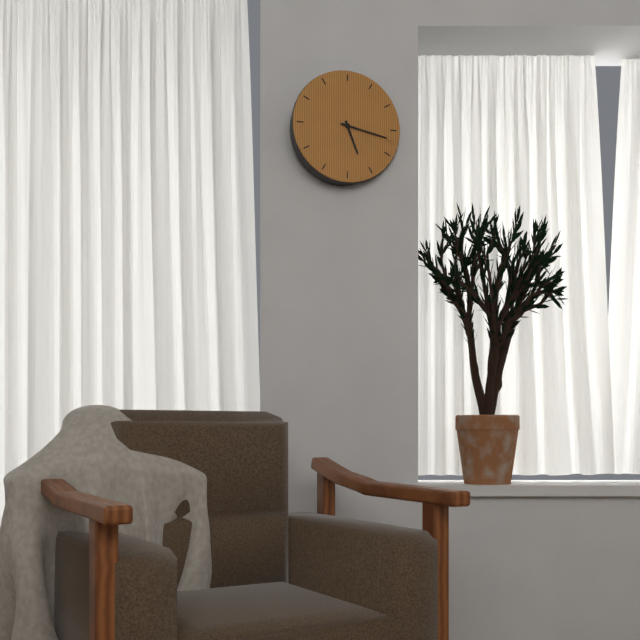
5:17
